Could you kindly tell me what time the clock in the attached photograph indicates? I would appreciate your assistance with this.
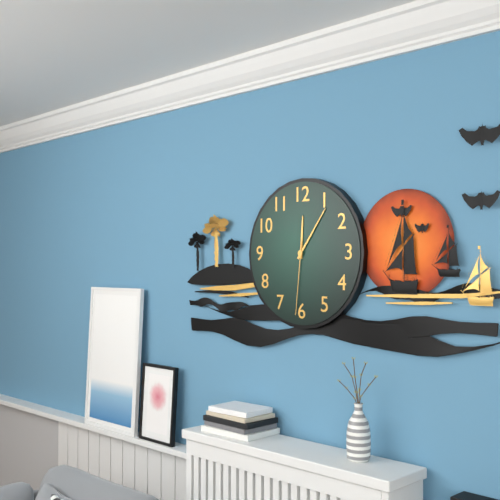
12:06:31
